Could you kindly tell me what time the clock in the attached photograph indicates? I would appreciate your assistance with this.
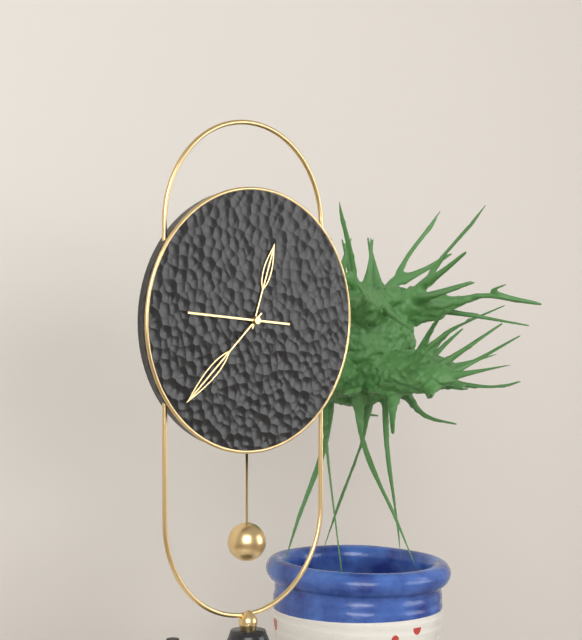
12:38:46
